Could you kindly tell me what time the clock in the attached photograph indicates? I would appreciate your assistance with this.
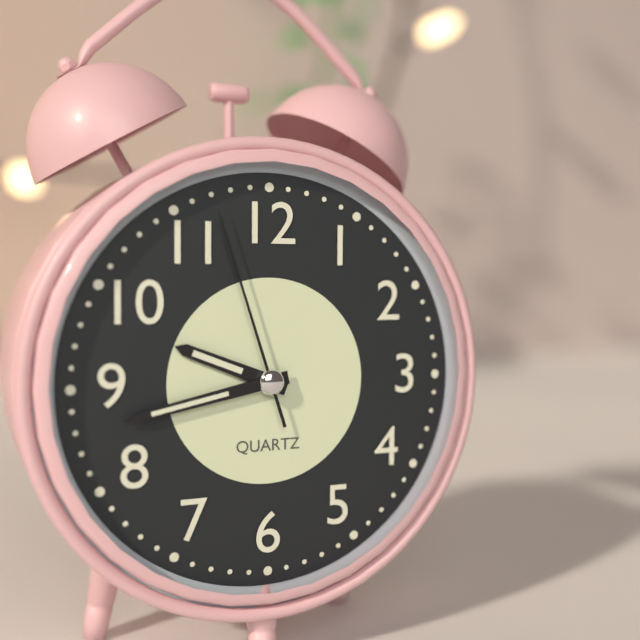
9:43:57
